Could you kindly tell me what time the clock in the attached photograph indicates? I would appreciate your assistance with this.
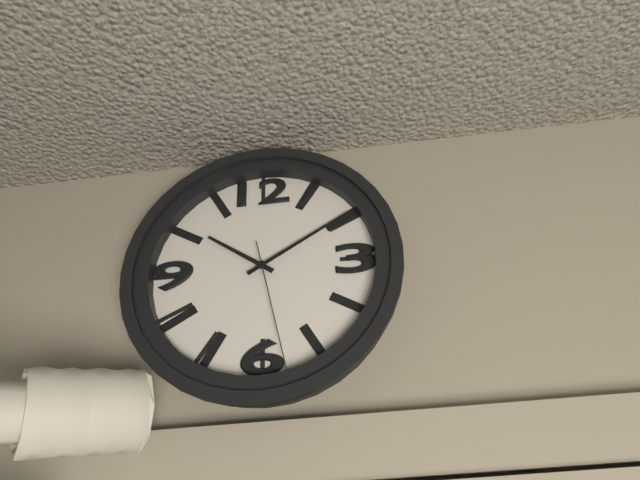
10:10:28
